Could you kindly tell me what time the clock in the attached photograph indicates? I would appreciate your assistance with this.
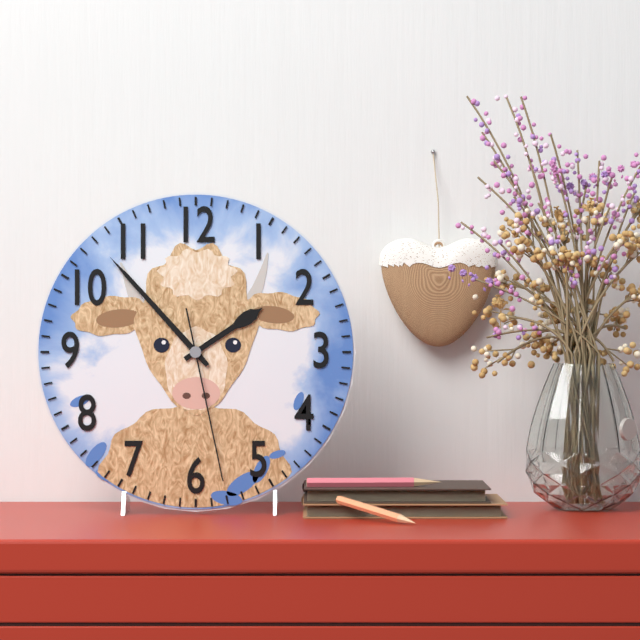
1:53:28
